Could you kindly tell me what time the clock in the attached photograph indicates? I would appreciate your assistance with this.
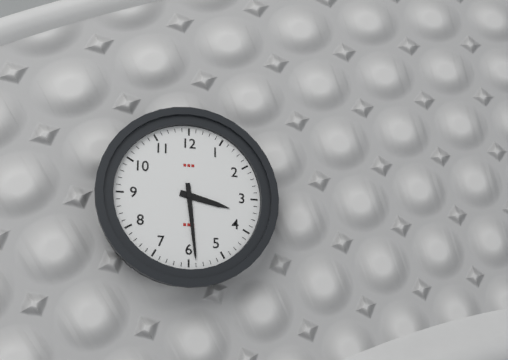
3:29
